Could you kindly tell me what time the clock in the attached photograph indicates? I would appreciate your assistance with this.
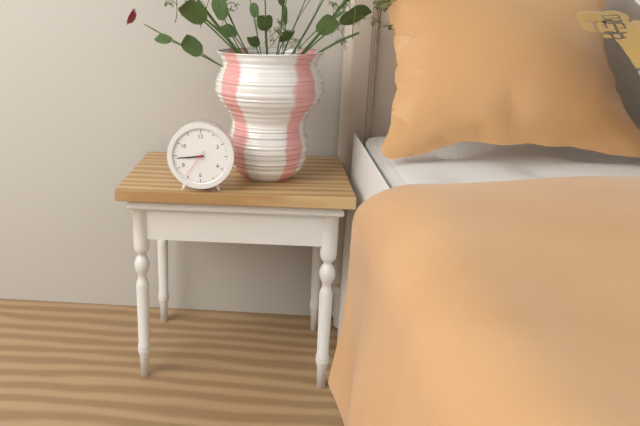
8:44
